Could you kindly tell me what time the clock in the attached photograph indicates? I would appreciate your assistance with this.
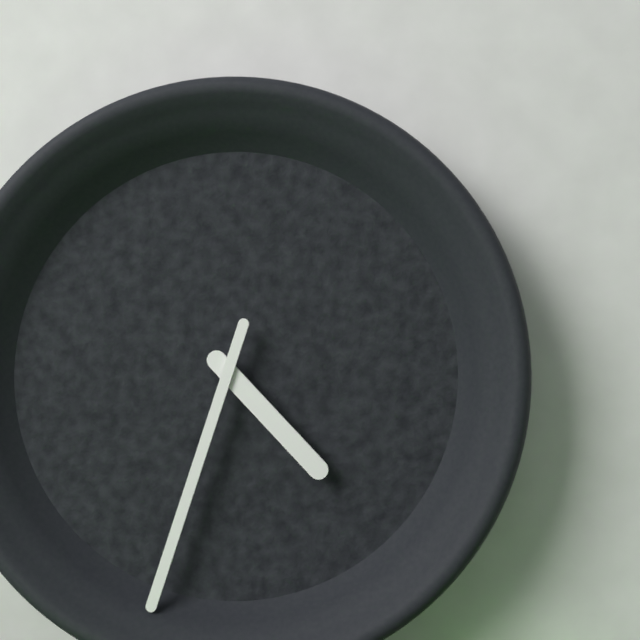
4:33
